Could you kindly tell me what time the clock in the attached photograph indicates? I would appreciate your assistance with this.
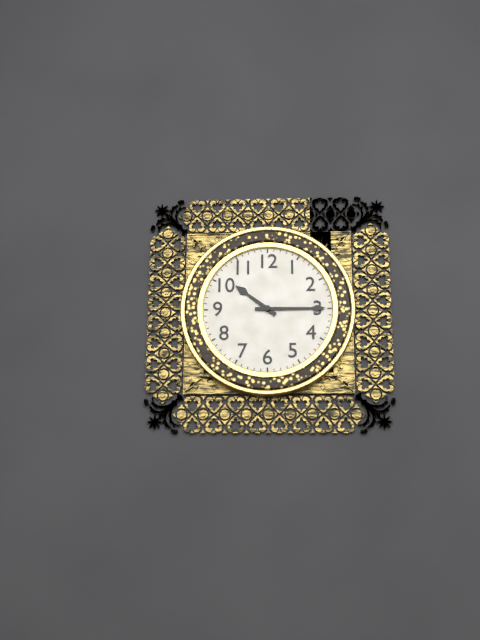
10:15
